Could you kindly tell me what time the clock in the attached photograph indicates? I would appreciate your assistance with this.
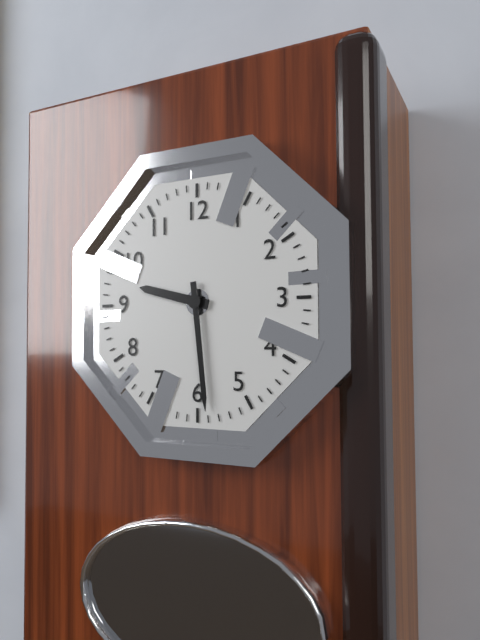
9:29
